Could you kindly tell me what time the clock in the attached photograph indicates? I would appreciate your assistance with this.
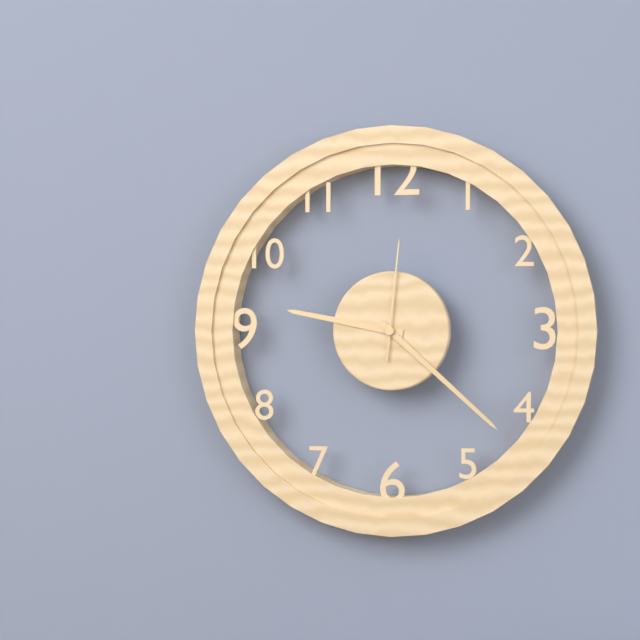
9:22:01
